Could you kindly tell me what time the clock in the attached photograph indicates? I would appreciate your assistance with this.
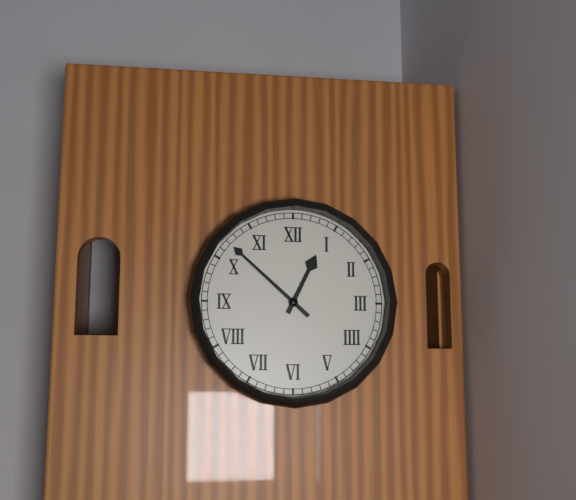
12:52
